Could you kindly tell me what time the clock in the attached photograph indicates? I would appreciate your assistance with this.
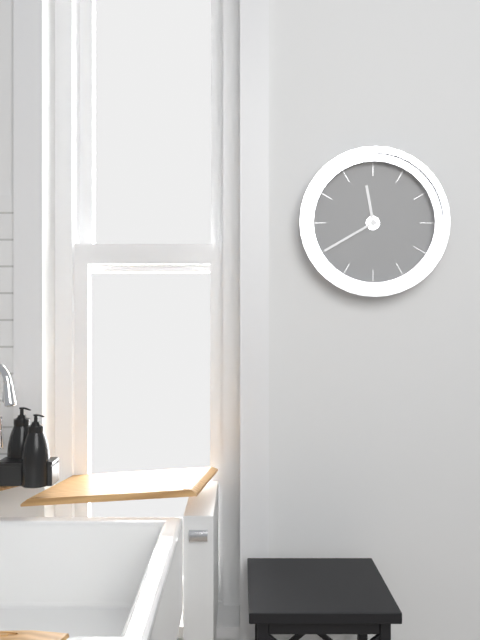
11:40
